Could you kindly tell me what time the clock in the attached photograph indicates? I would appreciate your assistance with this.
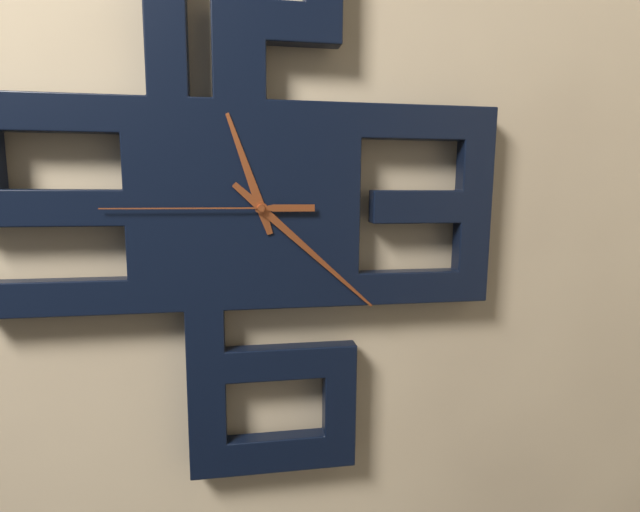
11:22:45
